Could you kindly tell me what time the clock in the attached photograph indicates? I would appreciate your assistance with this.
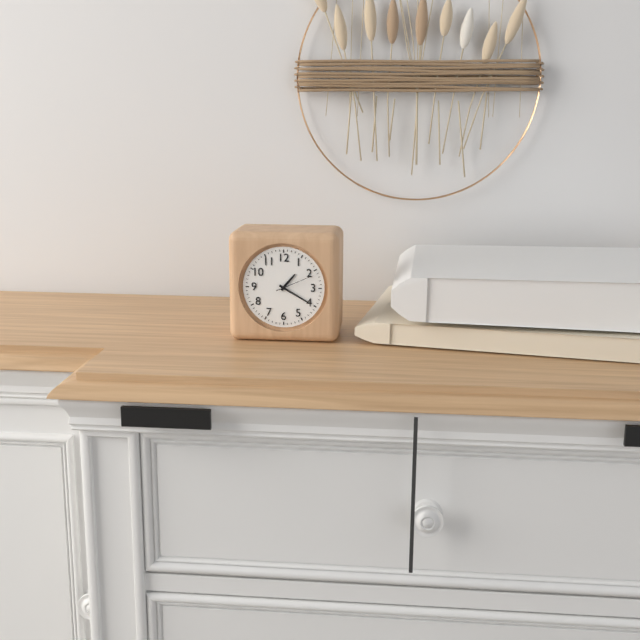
1:20
